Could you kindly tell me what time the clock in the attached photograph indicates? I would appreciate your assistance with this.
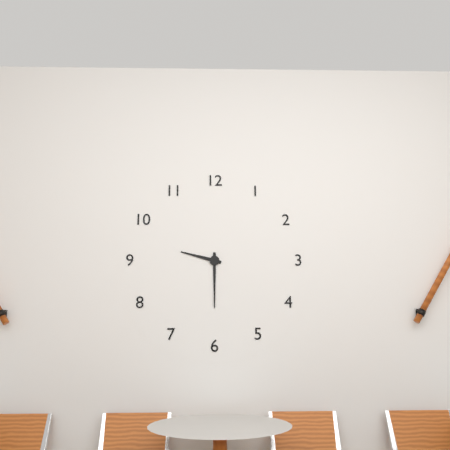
9:30
